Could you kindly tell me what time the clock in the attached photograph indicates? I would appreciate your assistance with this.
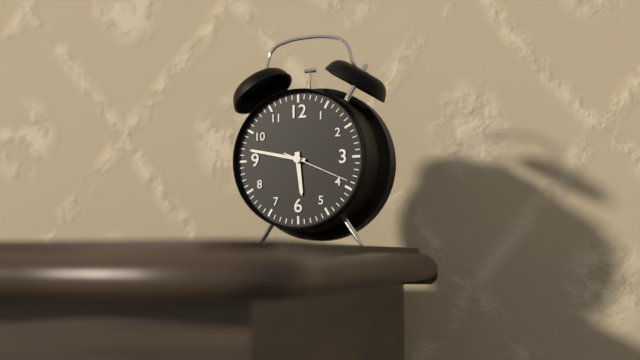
5:47:19
